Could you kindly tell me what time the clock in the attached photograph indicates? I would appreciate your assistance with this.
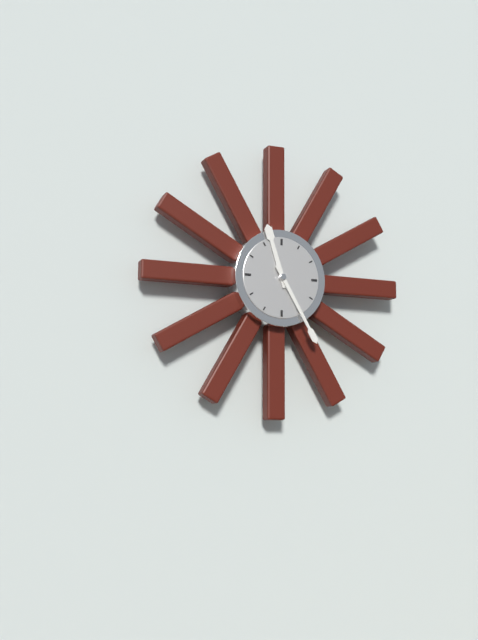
11:25
